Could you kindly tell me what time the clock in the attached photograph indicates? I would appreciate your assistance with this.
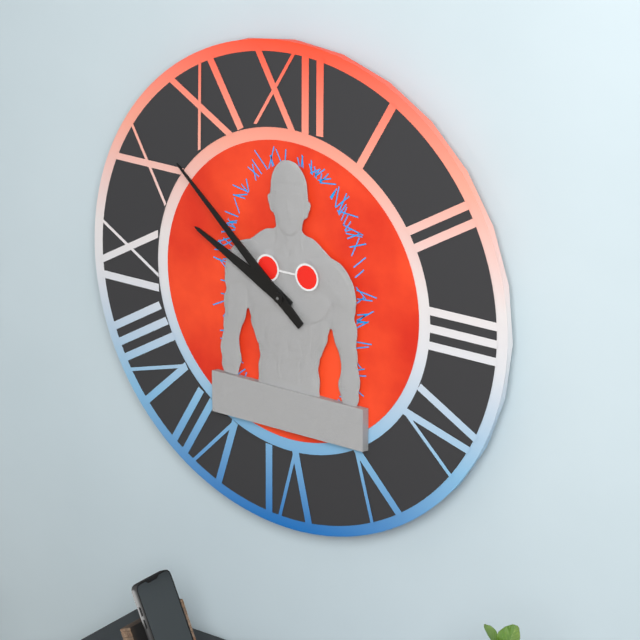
9:52
